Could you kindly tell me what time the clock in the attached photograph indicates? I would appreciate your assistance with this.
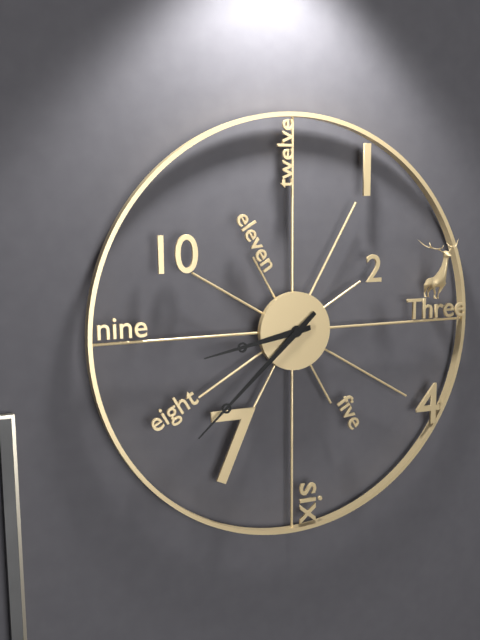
8:38
